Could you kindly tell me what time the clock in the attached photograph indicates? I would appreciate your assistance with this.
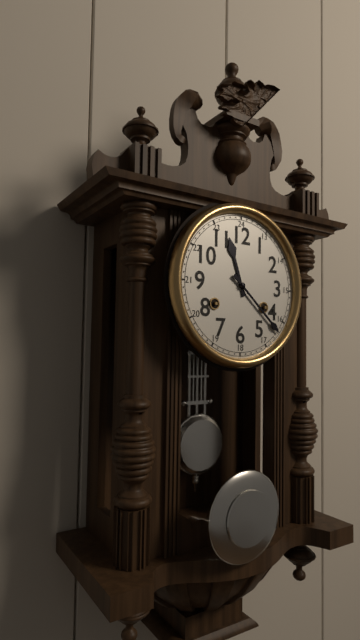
11:22
